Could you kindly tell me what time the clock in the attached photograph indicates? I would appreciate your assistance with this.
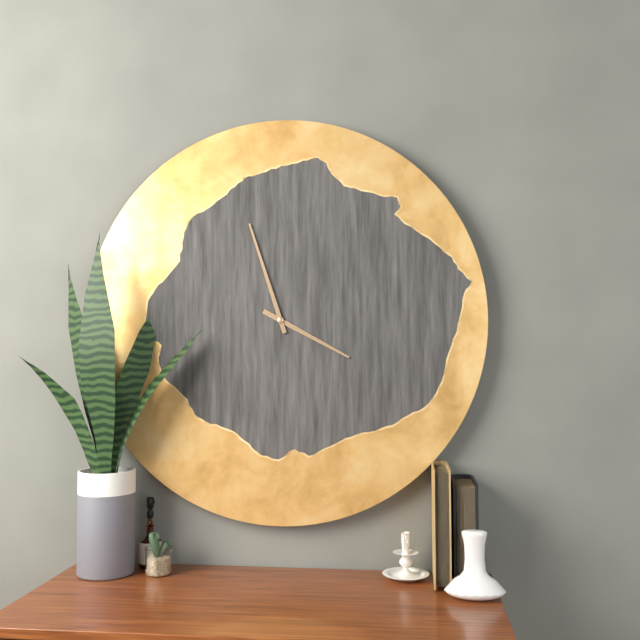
3:57
